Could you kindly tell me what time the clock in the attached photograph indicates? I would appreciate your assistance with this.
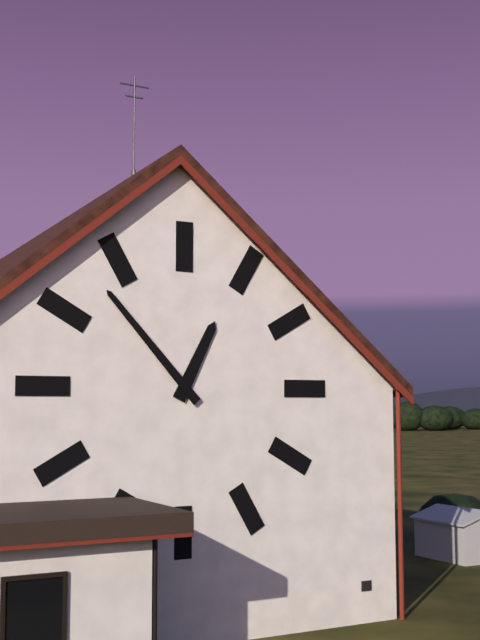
12:53
